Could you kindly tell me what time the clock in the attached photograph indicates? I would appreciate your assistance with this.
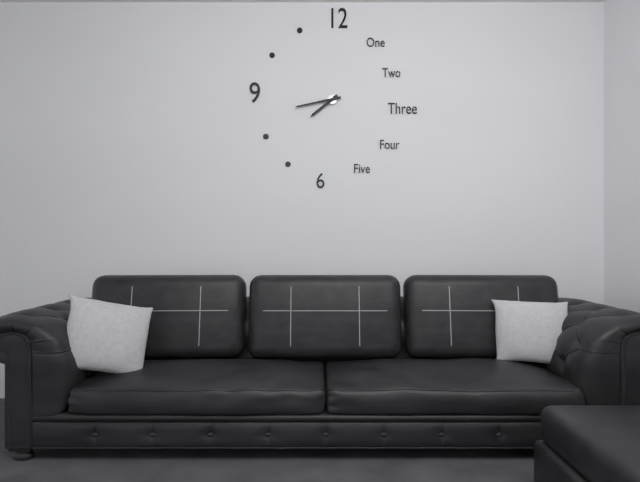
7:43
